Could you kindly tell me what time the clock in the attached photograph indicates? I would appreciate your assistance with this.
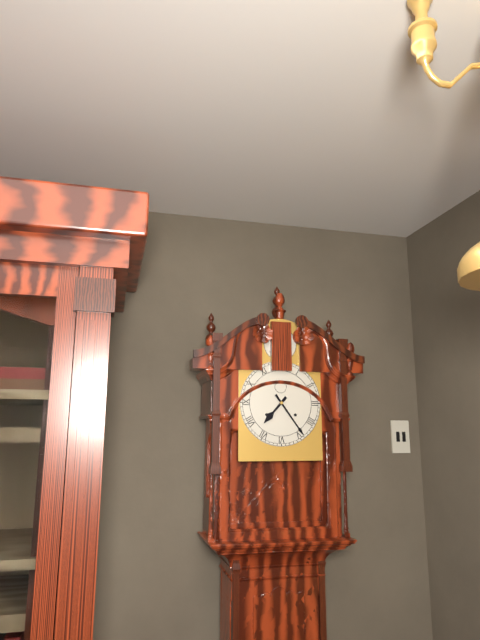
7:24
